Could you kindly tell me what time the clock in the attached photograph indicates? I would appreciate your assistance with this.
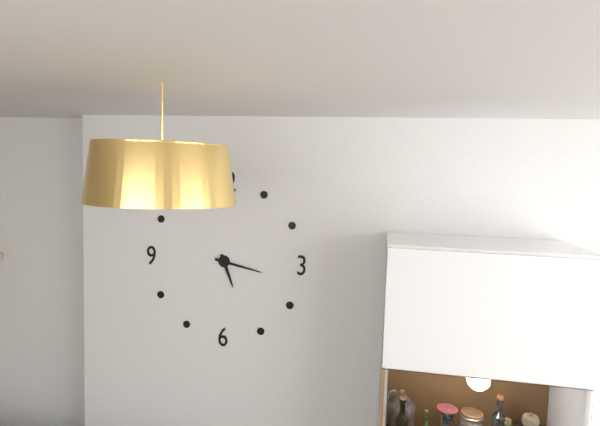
5:17
